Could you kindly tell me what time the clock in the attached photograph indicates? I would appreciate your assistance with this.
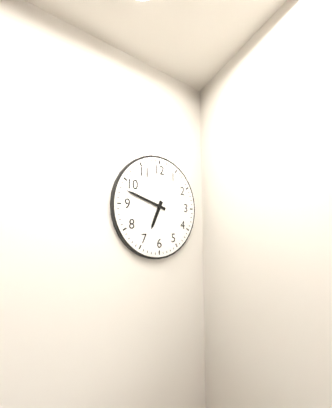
6:48
